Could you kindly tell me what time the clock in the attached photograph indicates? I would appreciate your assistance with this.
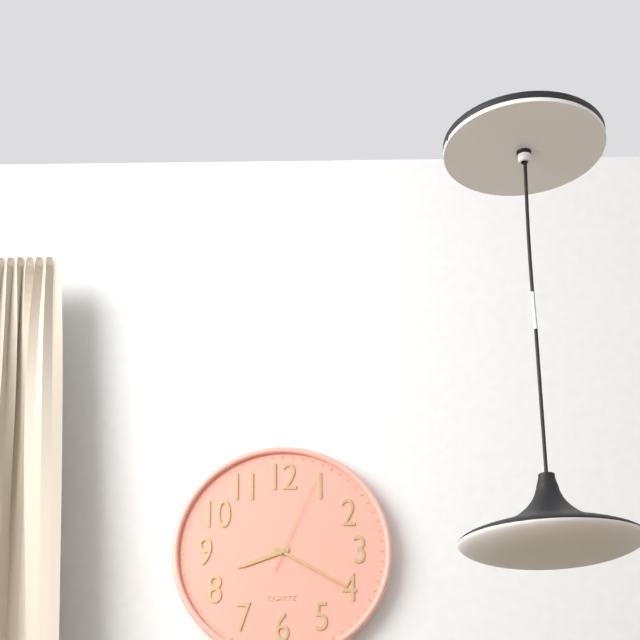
8:20:04
